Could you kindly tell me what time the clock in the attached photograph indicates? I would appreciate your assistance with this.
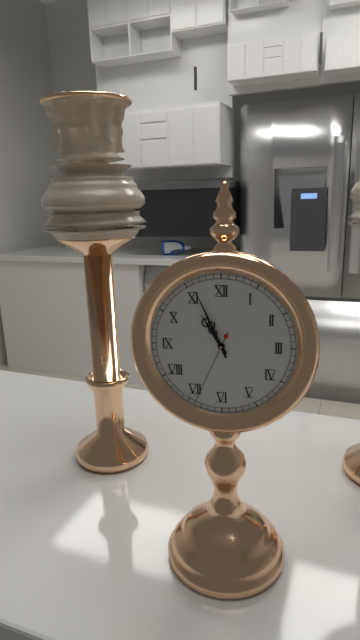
10:56:34
